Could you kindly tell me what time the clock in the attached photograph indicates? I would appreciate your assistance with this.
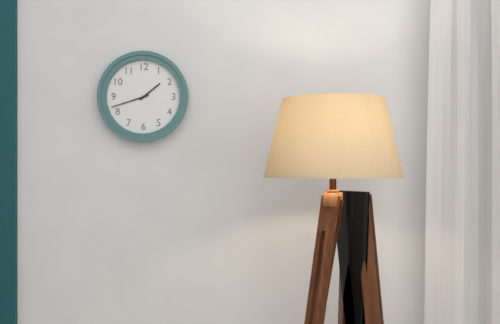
1:42
